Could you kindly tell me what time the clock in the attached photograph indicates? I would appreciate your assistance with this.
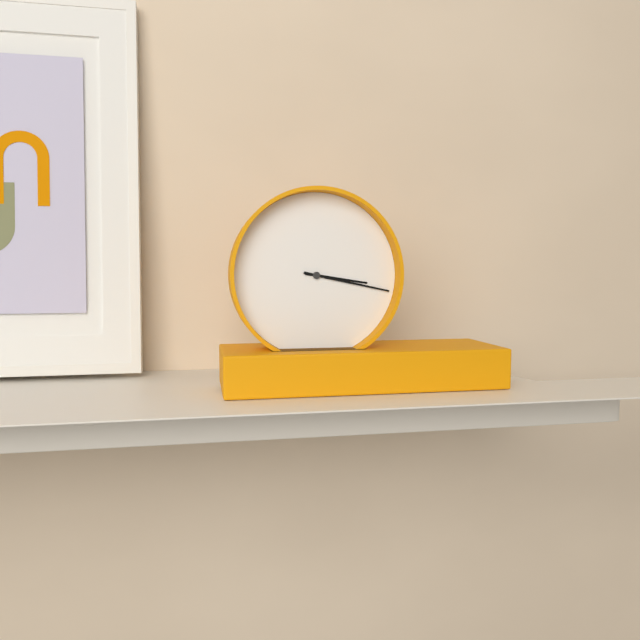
3:17
